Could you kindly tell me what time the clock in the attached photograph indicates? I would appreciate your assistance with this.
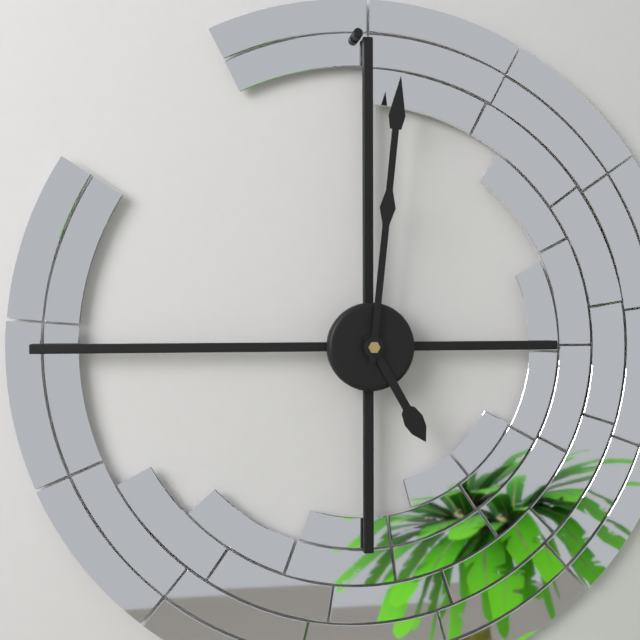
5:01
